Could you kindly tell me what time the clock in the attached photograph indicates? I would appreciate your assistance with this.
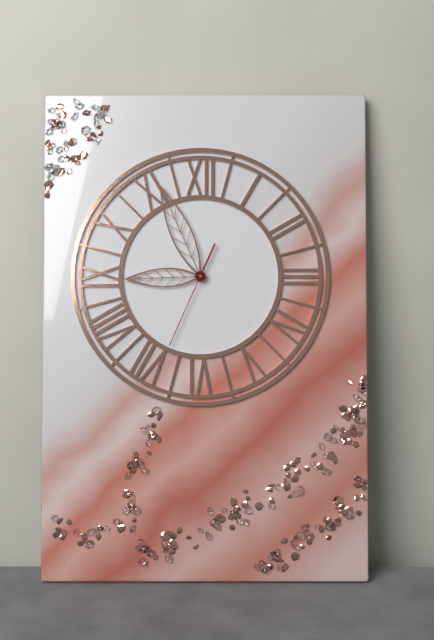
8:56:34
